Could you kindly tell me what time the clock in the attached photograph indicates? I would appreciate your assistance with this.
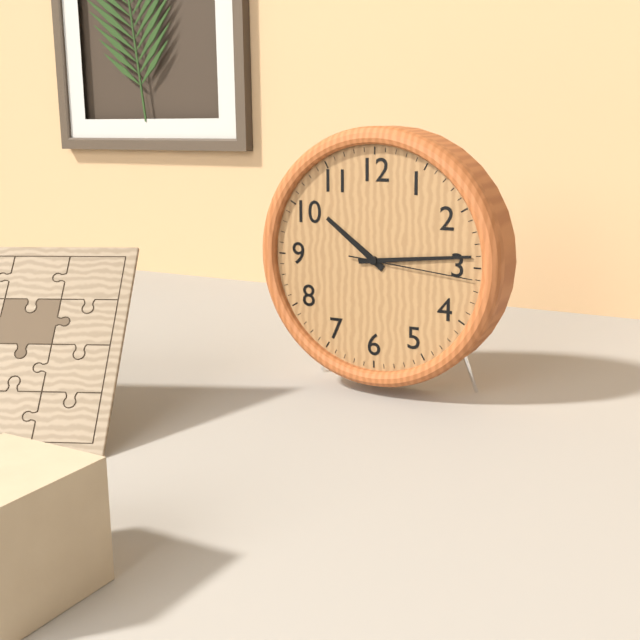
10:14:16
